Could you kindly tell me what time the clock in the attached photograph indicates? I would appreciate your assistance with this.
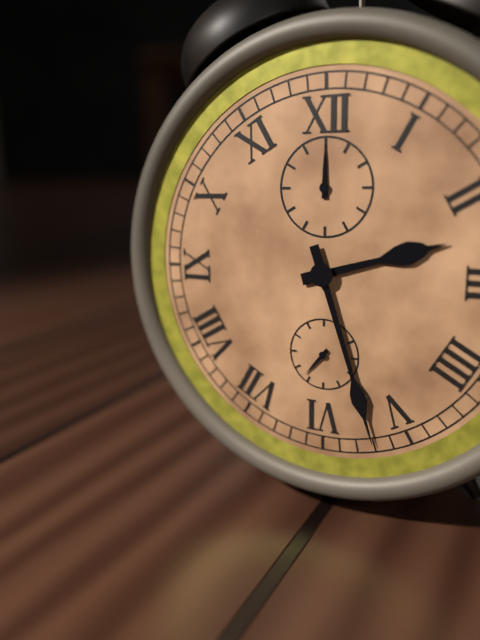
2:27
